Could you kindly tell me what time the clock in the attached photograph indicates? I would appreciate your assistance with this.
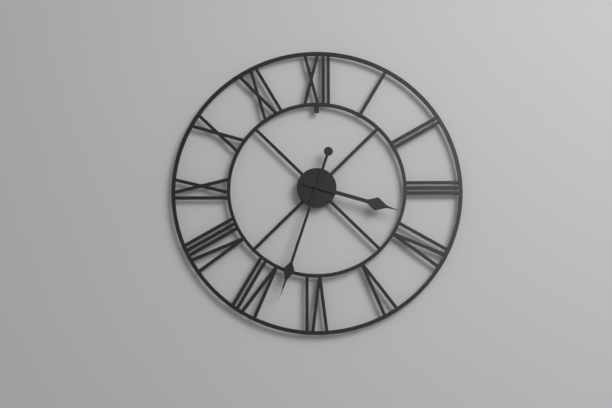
3:33
